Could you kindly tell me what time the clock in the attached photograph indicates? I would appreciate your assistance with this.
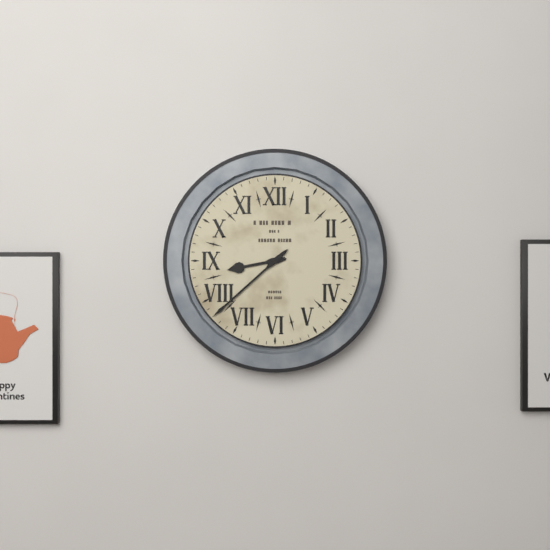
8:38
